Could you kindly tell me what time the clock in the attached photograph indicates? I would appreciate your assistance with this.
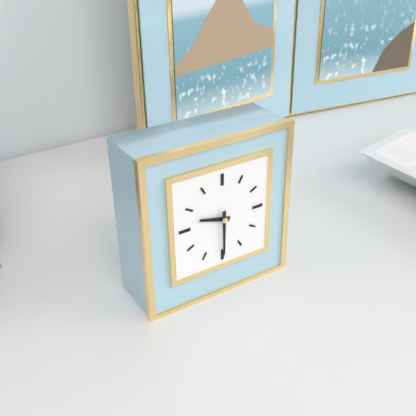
9:30
